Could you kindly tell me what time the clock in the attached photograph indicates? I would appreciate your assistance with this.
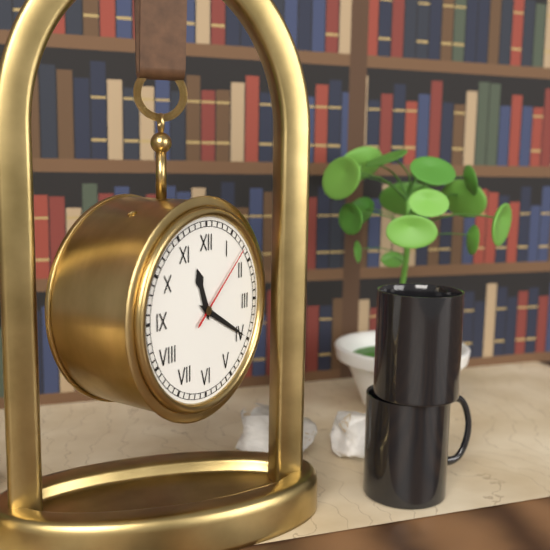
11:20:08
